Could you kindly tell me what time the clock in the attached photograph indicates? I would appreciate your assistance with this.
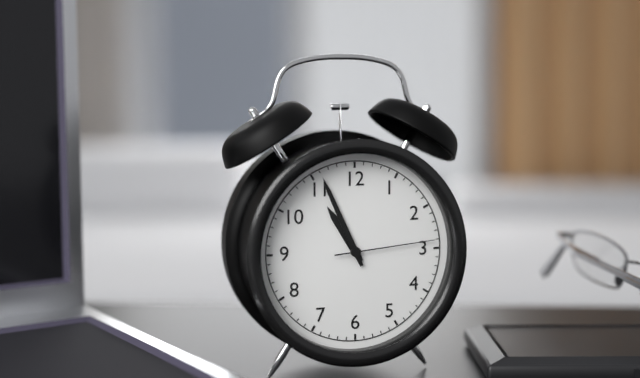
10:56:14
